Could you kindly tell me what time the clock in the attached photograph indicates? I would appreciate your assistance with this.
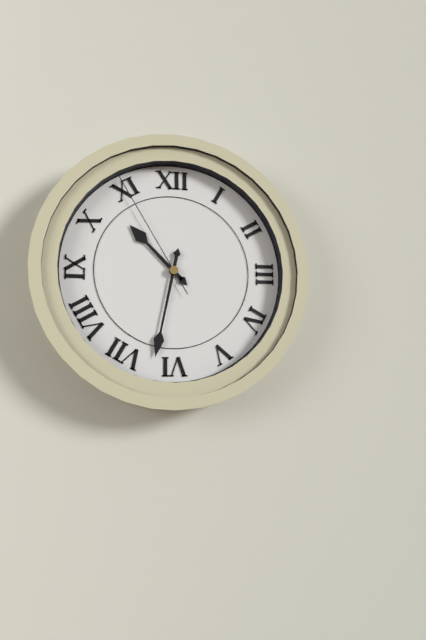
10:32:55
